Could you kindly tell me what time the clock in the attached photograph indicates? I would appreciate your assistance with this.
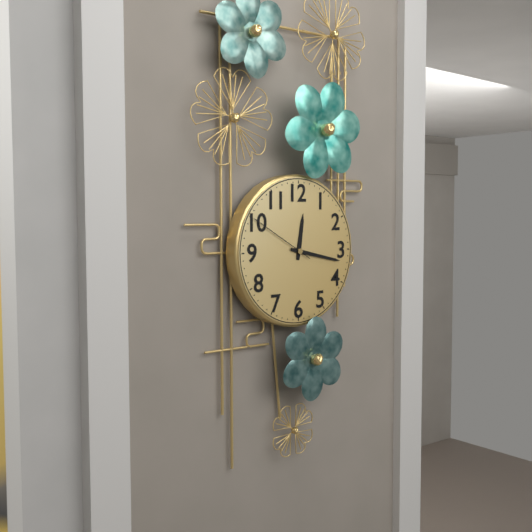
12:17:50
